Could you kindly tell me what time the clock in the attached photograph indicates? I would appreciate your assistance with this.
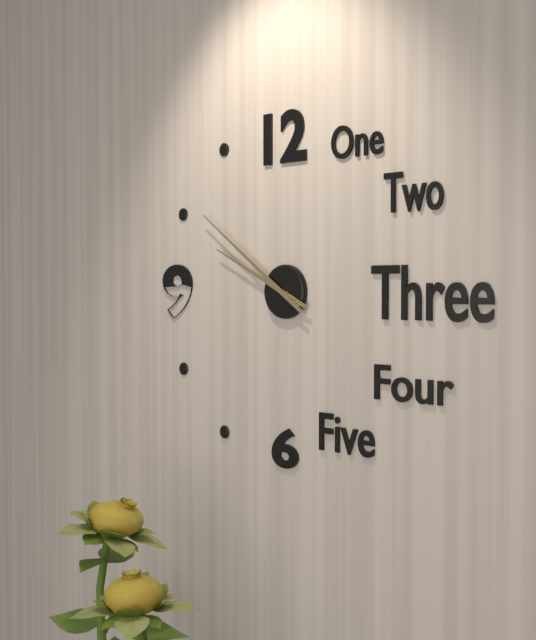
9:51
